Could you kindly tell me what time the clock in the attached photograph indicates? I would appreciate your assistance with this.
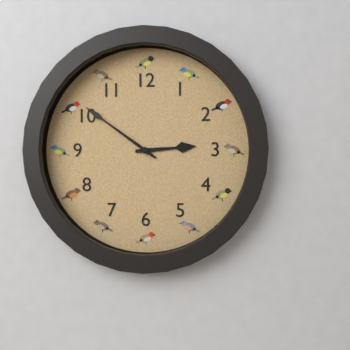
2:51
